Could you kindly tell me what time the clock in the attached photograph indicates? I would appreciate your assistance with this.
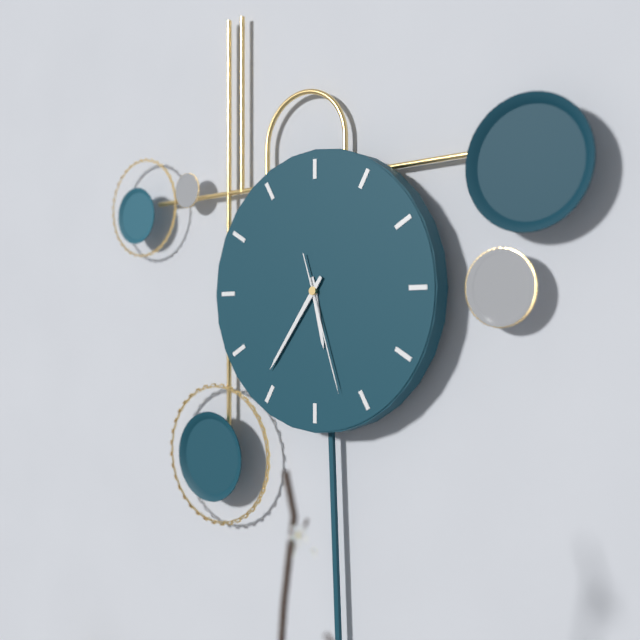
5:36:27
